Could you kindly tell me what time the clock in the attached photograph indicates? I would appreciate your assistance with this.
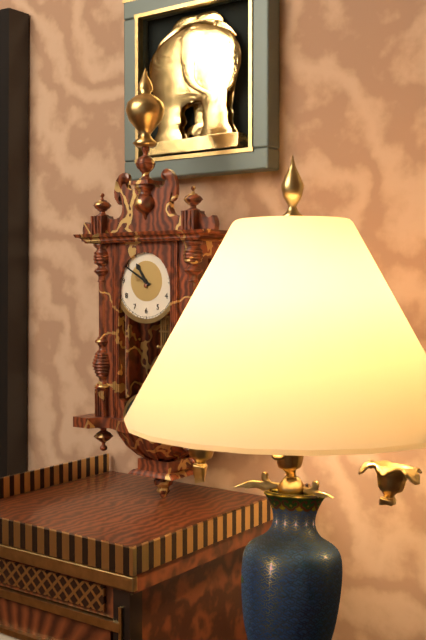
10:50
